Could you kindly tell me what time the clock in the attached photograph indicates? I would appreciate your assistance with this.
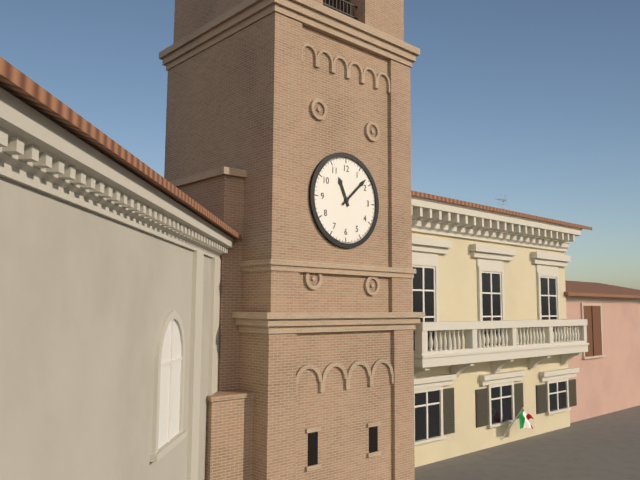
11:08
